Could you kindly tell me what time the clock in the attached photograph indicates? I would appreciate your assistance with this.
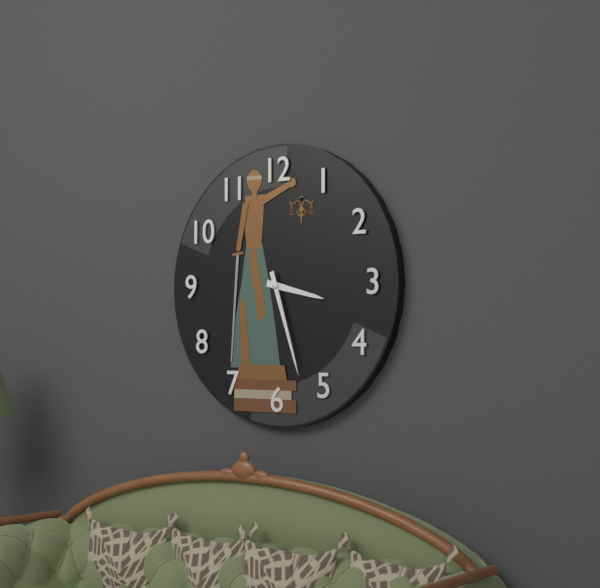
3:27
